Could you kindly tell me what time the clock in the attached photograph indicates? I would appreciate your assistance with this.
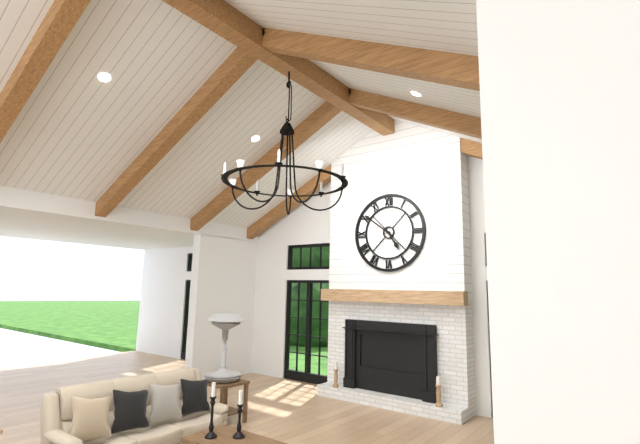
4:51
